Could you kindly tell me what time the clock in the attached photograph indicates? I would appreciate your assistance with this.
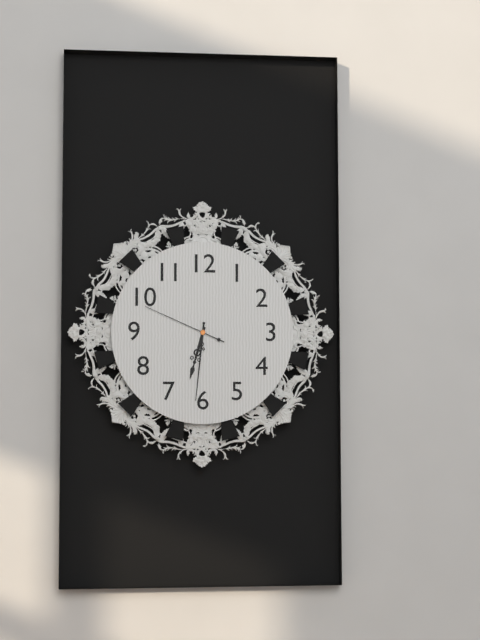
6:31:49
